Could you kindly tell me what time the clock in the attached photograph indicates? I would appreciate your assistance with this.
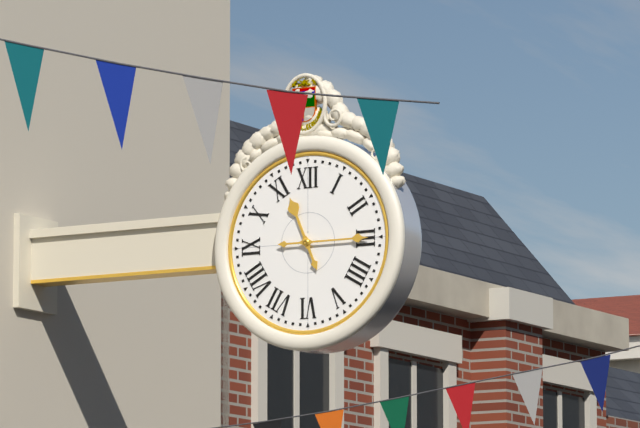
11:15
